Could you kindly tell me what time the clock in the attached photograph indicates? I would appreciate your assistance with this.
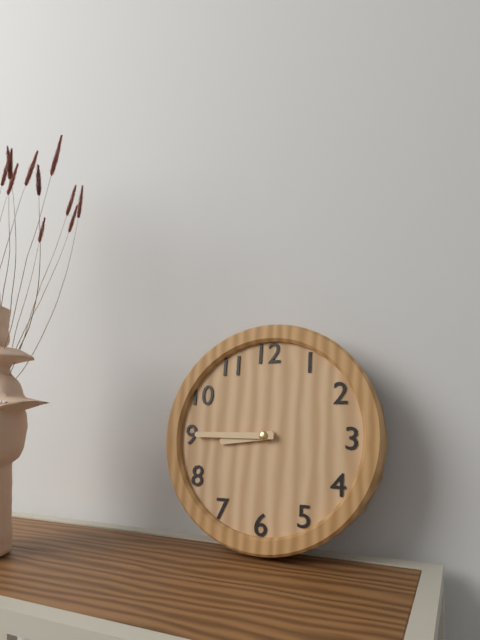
8:45
